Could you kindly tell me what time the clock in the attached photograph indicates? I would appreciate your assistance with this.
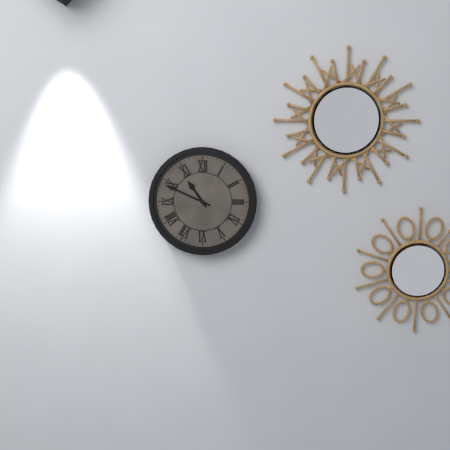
10:49
